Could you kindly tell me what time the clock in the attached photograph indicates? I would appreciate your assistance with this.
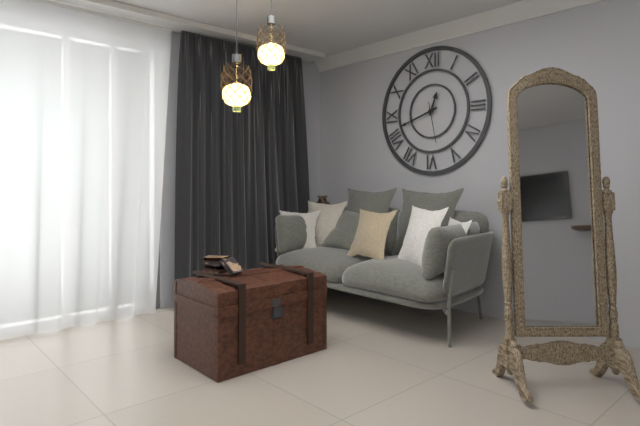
12:42
